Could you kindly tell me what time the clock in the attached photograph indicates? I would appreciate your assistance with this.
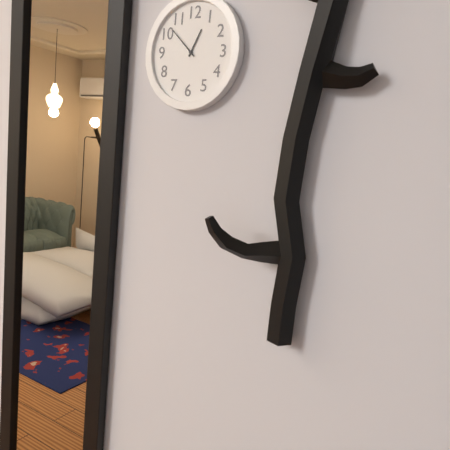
12:52
